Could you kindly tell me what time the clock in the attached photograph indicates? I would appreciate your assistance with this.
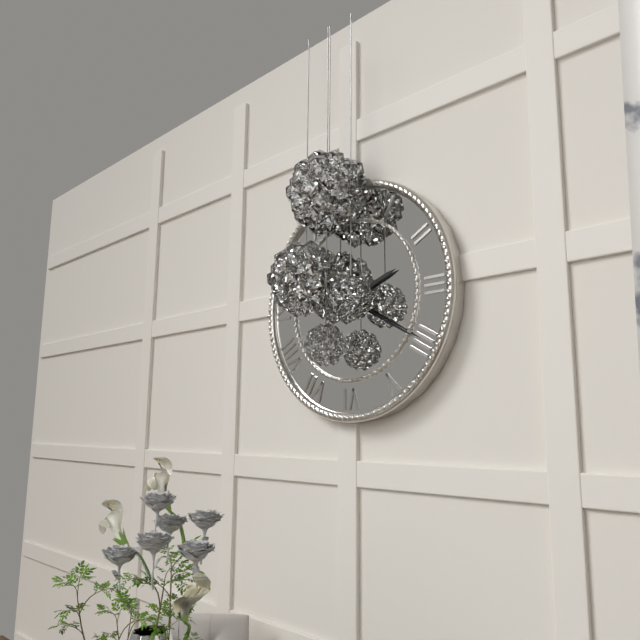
2:20
